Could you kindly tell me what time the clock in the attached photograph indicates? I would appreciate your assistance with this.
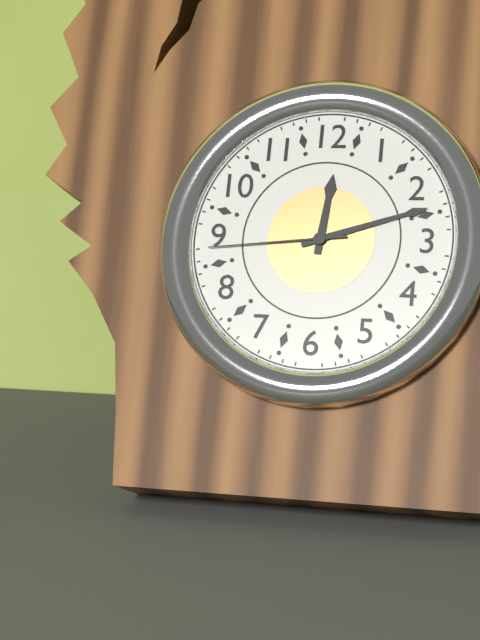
12:12:44
